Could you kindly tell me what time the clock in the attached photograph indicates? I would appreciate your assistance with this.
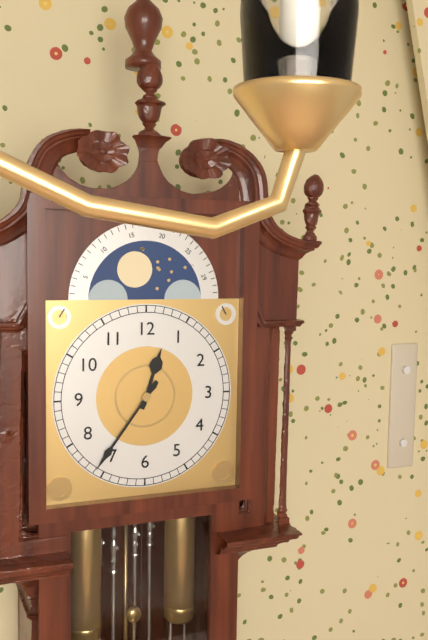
12:36
